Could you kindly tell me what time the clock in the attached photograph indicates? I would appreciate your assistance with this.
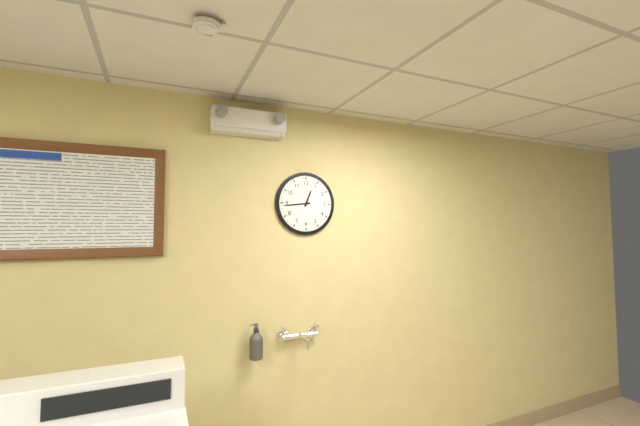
12:44
